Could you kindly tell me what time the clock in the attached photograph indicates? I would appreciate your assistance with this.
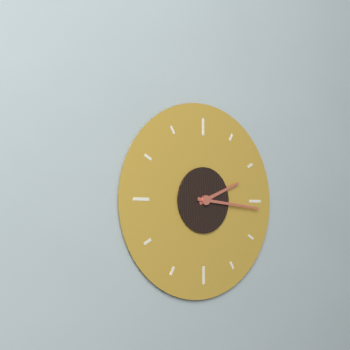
2:16
